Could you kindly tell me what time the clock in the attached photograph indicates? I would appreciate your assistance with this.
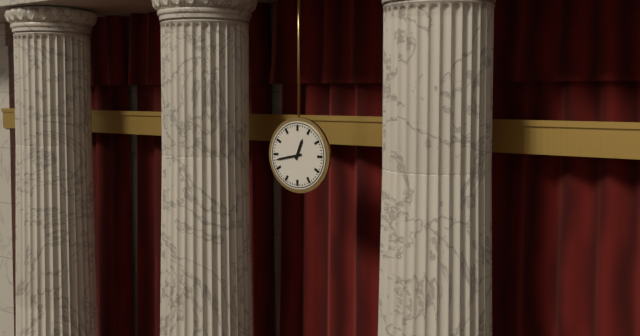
12:43
